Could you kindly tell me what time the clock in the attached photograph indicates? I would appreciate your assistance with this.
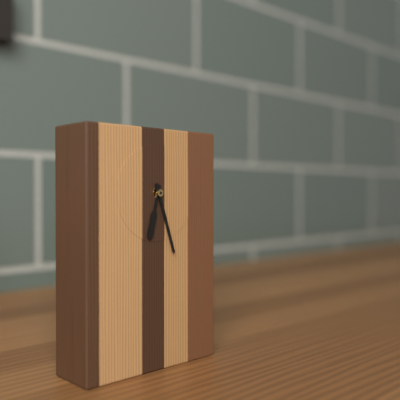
6:27
